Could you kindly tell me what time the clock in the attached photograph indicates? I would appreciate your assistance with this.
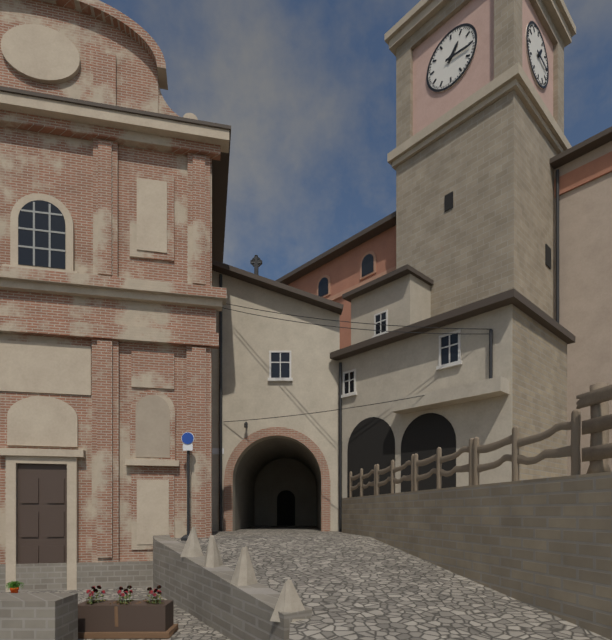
1:16
